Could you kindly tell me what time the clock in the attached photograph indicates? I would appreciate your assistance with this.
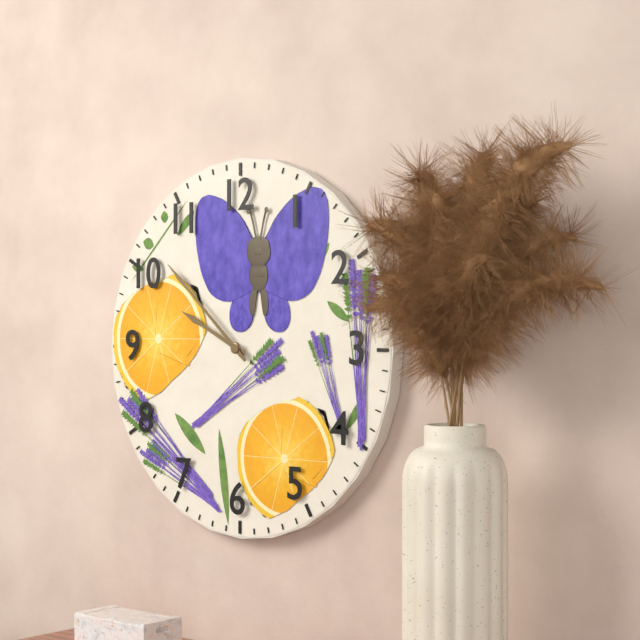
9:52
